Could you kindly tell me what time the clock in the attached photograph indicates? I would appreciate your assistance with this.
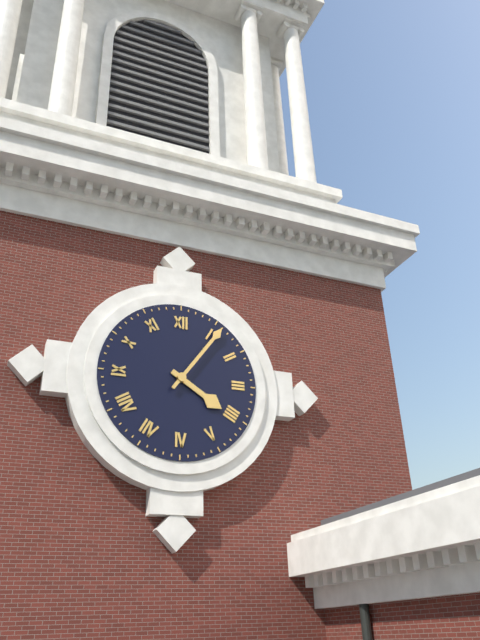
4:06
